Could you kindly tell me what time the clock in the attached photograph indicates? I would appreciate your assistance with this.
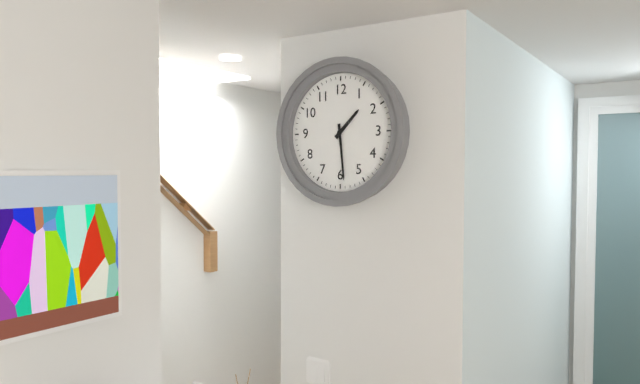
1:29
